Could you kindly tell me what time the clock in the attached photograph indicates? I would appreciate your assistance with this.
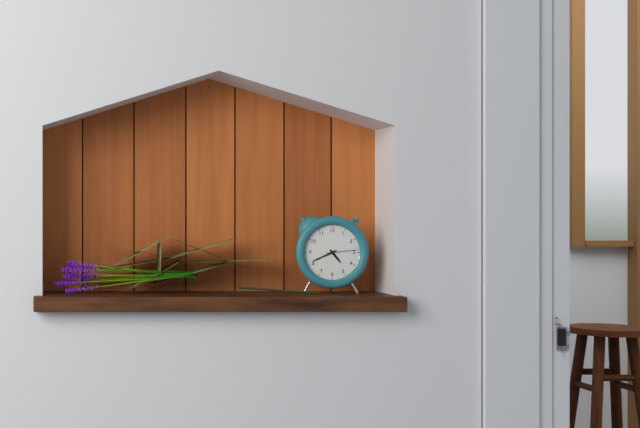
4:41
